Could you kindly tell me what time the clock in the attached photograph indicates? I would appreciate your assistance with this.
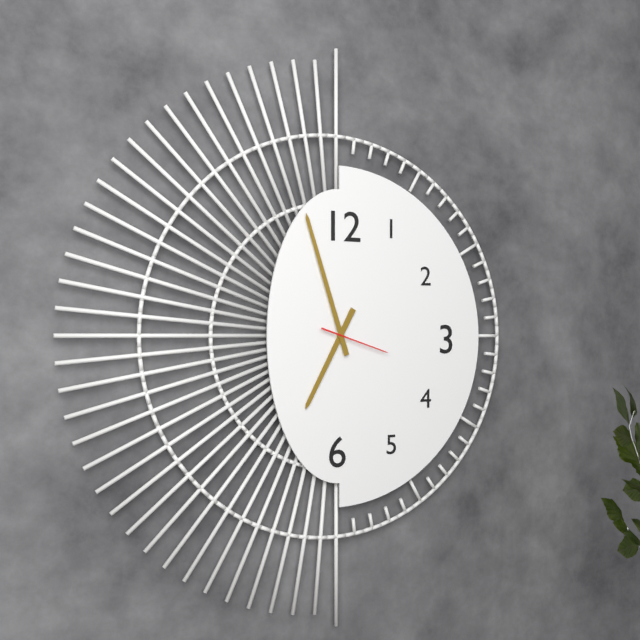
6:57:18
